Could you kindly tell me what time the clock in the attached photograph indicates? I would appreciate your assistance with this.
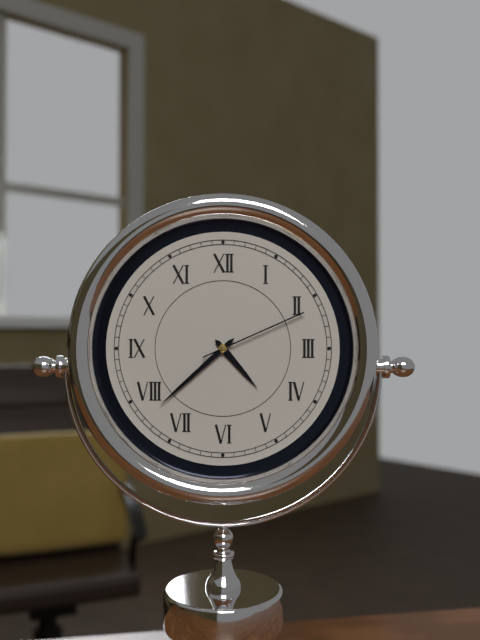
4:38:11
